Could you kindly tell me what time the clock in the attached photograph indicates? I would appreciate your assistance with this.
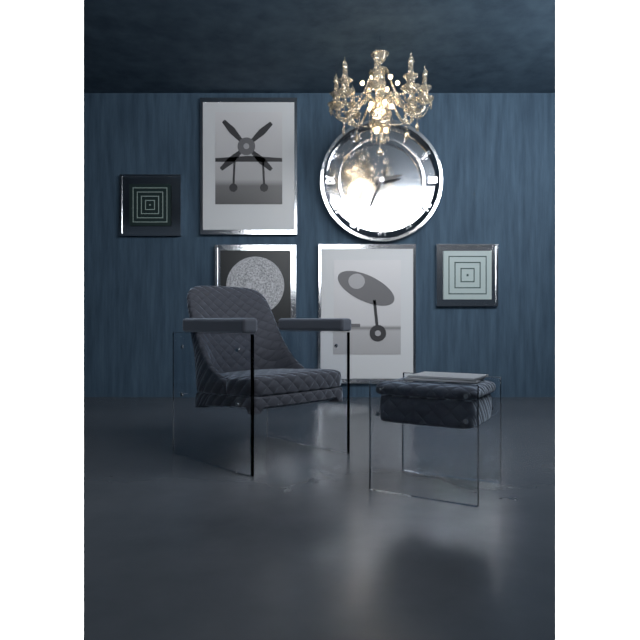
2:34
